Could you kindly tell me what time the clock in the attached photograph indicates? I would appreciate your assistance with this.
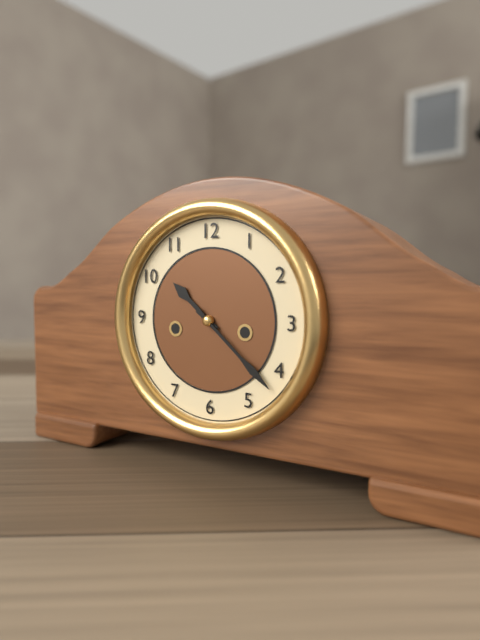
10:22
